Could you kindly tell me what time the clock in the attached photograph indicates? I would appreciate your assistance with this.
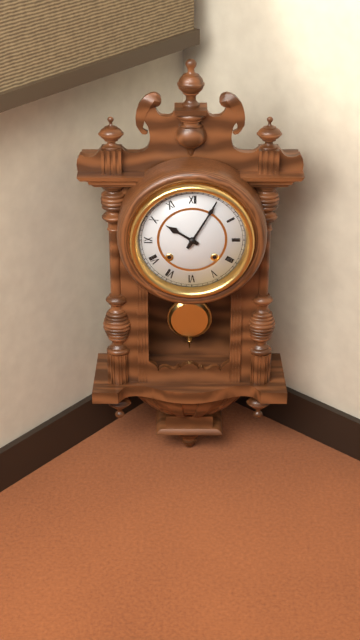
10:05
